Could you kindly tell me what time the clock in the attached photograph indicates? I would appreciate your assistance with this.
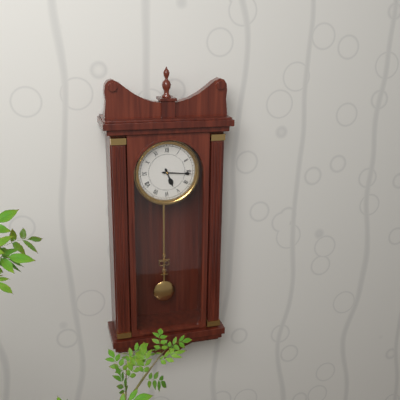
5:16
